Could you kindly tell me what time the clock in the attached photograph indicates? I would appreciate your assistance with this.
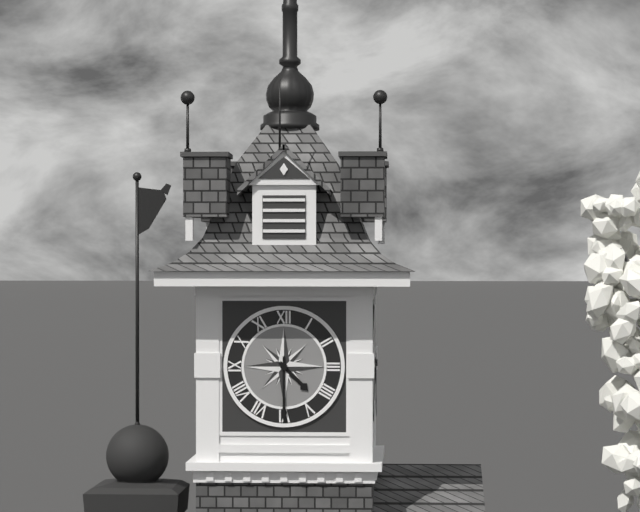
4:30
